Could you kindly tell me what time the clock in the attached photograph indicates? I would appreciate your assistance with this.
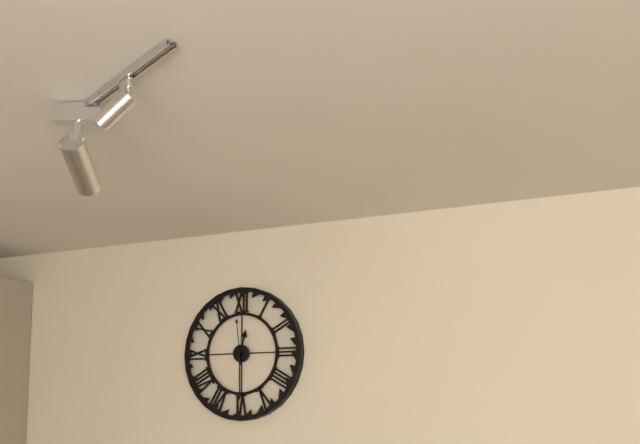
12:30
